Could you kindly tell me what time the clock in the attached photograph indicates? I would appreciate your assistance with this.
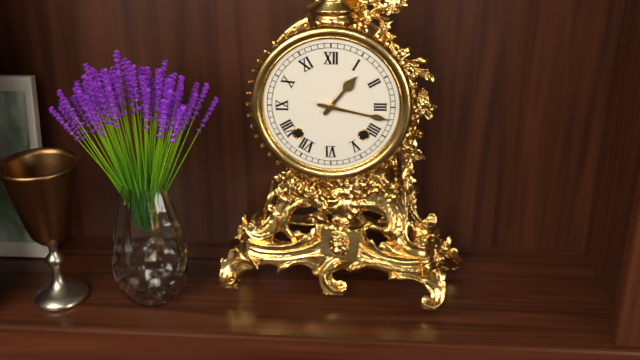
1:17
